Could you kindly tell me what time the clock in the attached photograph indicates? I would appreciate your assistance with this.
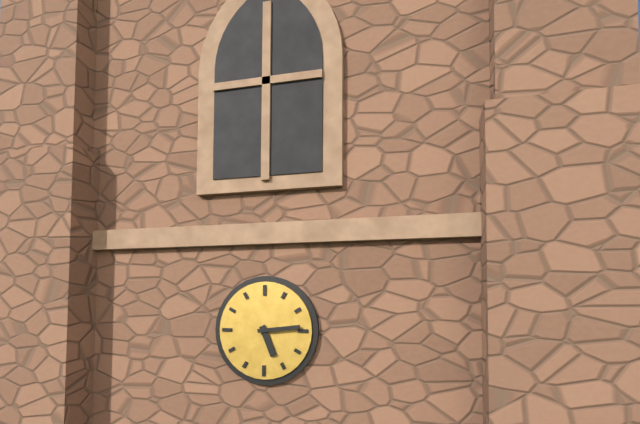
5:14
